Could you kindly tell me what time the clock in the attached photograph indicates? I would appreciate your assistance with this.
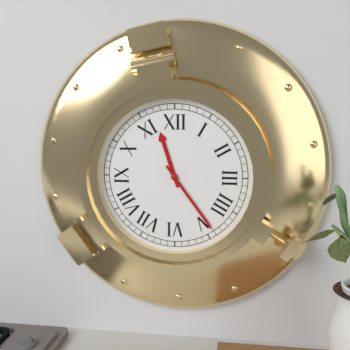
11:24
